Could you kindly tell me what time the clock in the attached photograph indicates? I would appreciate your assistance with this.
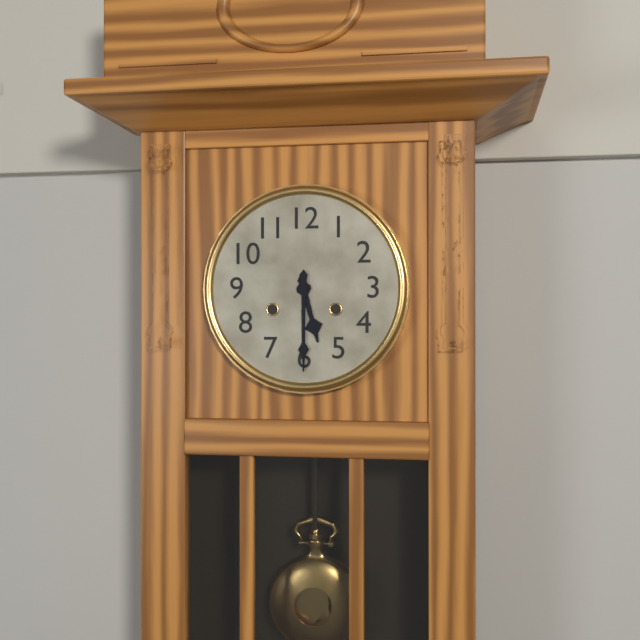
5:30
